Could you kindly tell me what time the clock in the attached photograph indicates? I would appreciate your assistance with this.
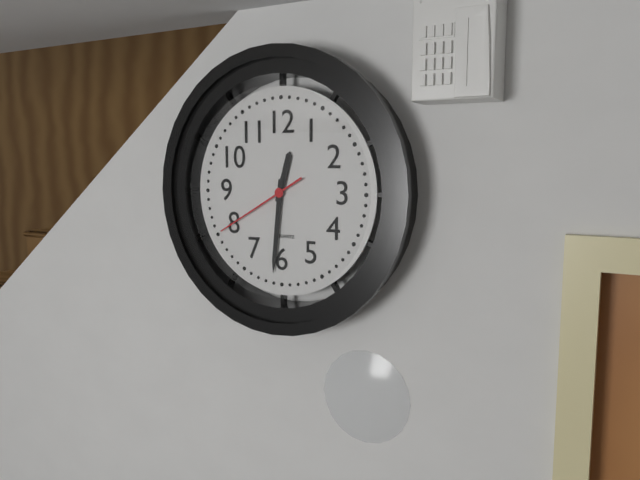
12:31:40
